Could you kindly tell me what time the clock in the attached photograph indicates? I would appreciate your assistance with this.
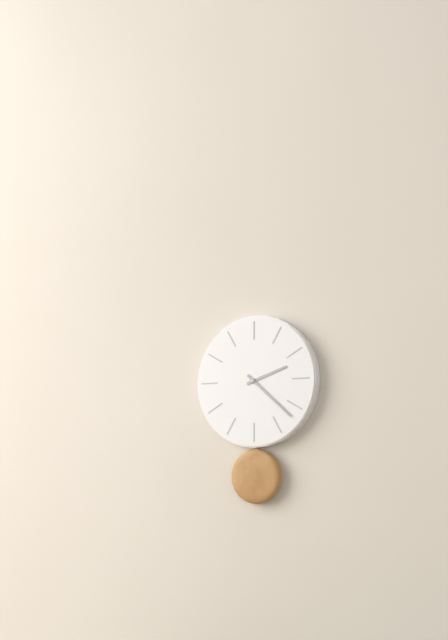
2:22
